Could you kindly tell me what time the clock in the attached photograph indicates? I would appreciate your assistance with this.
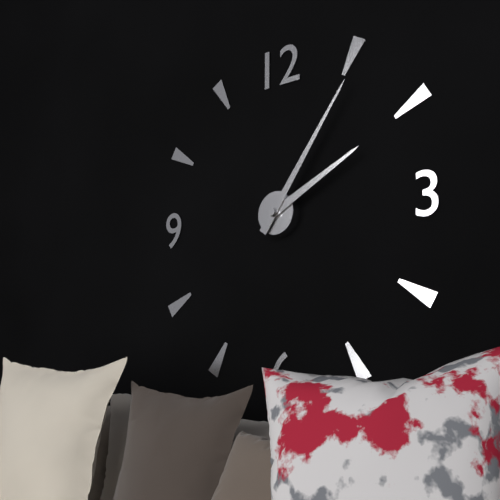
2:06
